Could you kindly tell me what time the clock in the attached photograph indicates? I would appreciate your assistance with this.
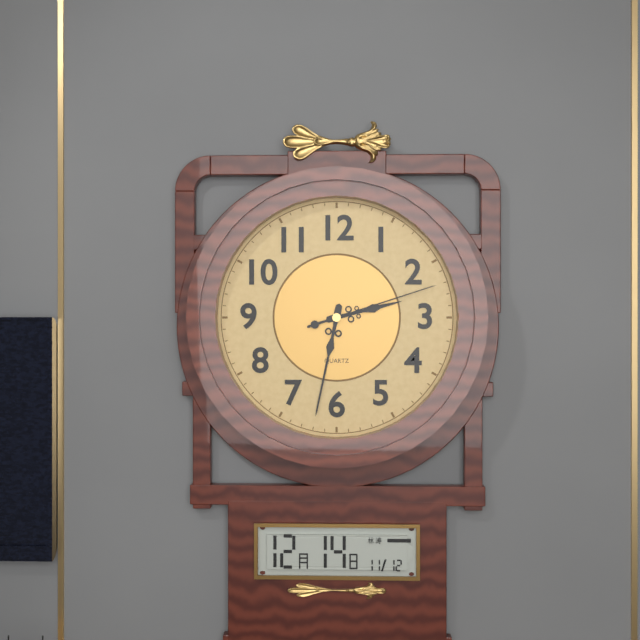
2:32:12
